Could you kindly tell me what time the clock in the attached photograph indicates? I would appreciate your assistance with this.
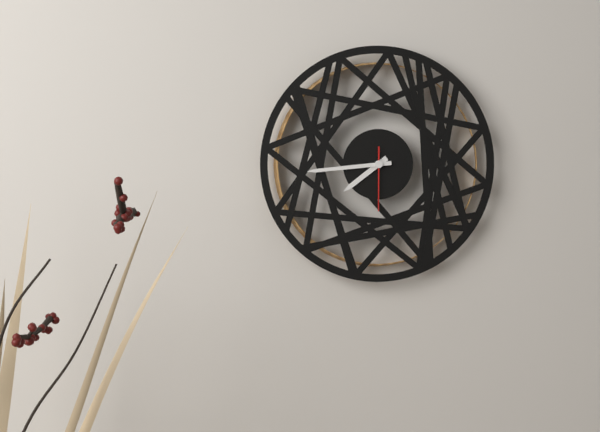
7:44:30
